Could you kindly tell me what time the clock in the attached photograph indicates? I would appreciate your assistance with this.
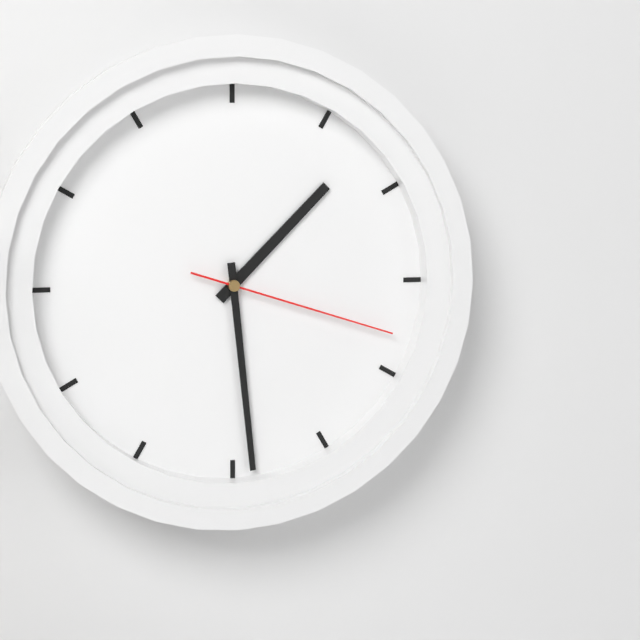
1:29:18
